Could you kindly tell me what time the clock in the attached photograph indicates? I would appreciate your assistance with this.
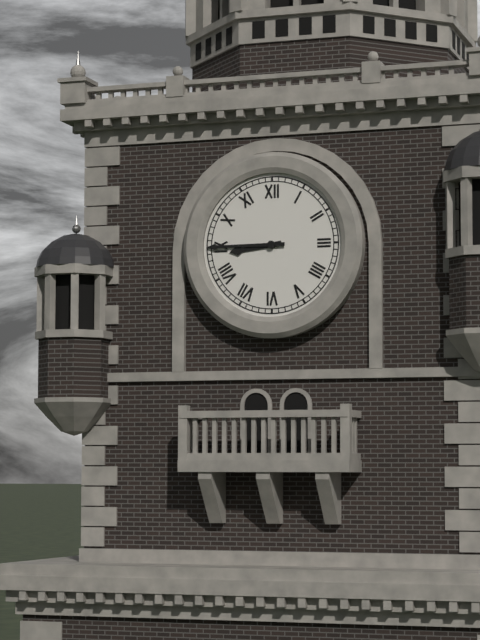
8:45
